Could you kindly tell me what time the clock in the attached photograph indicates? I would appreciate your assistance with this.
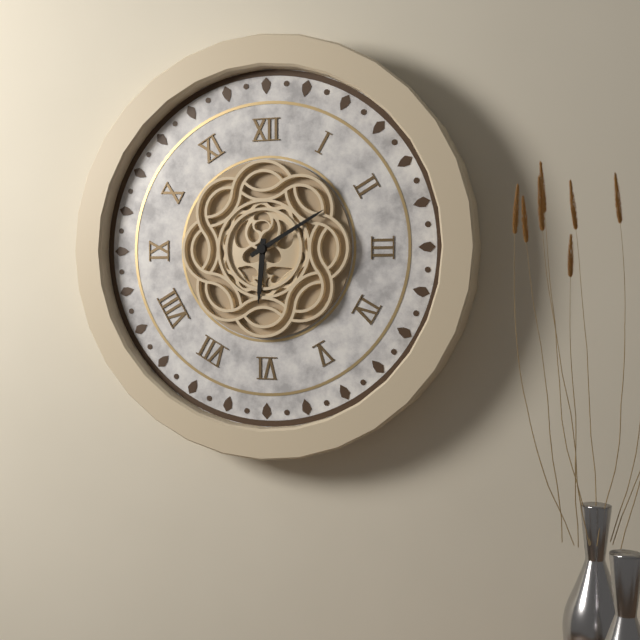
6:10
